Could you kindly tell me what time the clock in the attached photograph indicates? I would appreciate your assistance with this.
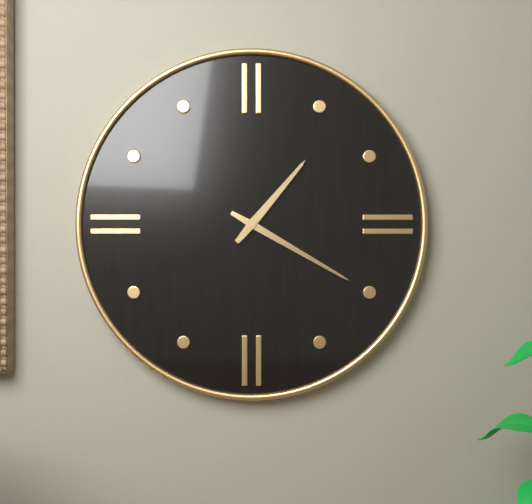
1:20
